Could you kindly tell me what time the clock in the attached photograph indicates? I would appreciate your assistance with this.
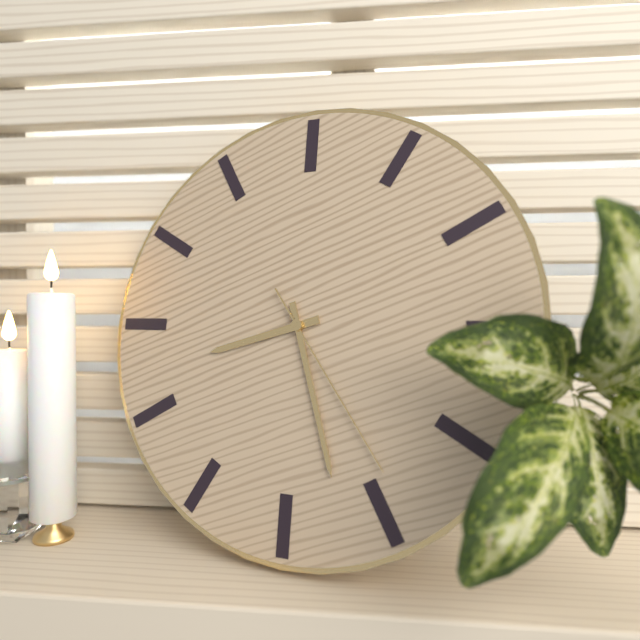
8:27:24
